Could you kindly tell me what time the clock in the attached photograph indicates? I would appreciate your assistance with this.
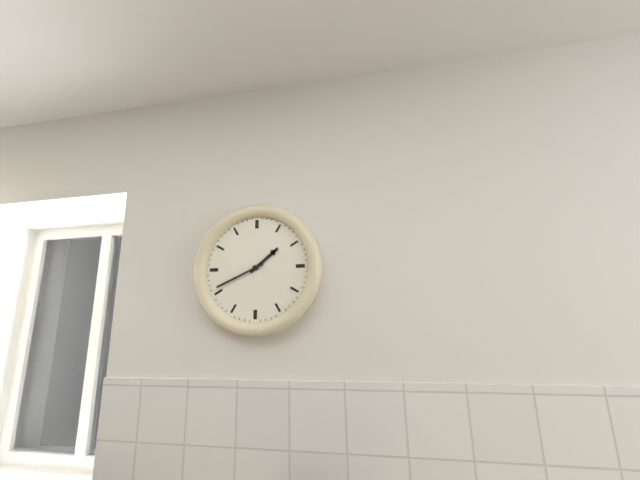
1:41
